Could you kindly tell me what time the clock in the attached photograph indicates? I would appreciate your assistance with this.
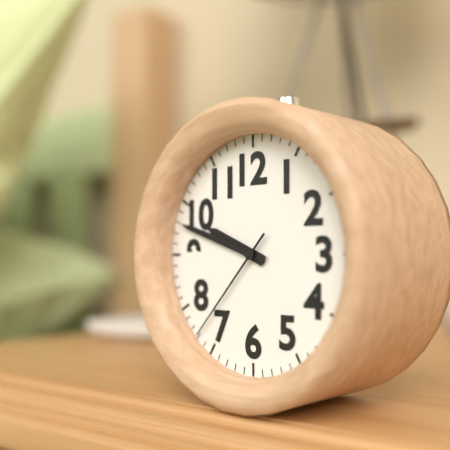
9:48:37
